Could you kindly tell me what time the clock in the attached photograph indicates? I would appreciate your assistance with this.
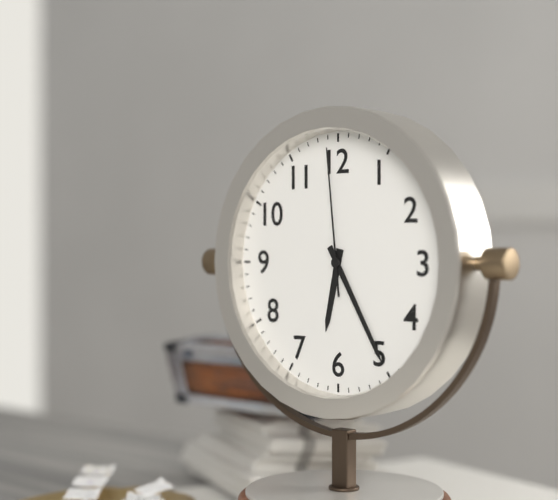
6:25:59
